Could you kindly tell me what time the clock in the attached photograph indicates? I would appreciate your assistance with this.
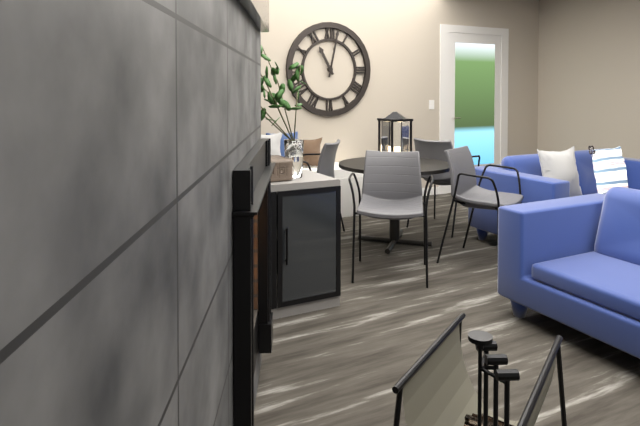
11:02
